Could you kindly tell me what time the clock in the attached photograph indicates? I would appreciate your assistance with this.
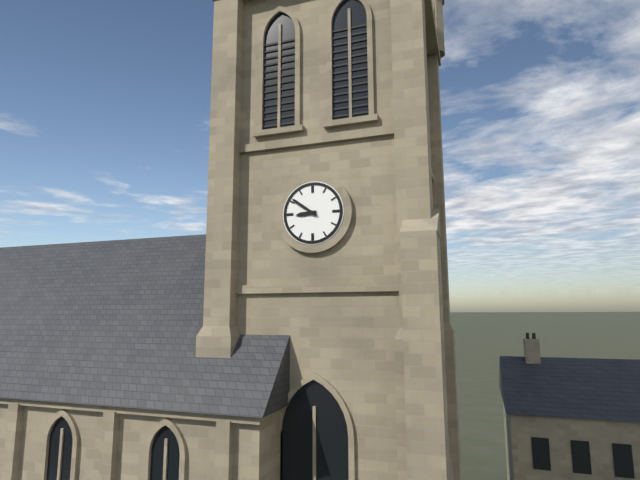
8:51
